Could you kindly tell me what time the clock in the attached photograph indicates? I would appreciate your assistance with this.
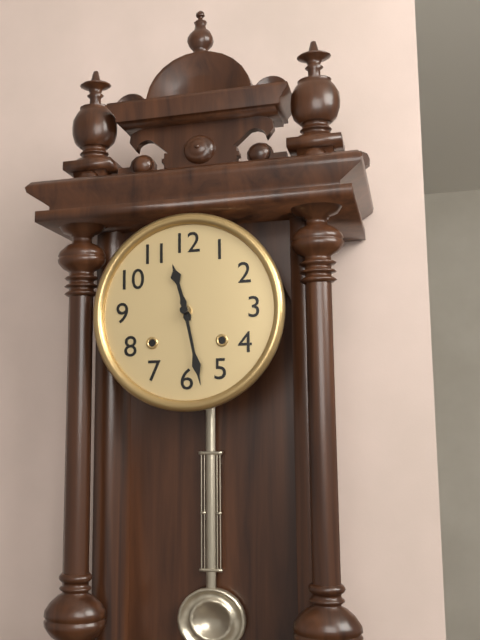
11:28
